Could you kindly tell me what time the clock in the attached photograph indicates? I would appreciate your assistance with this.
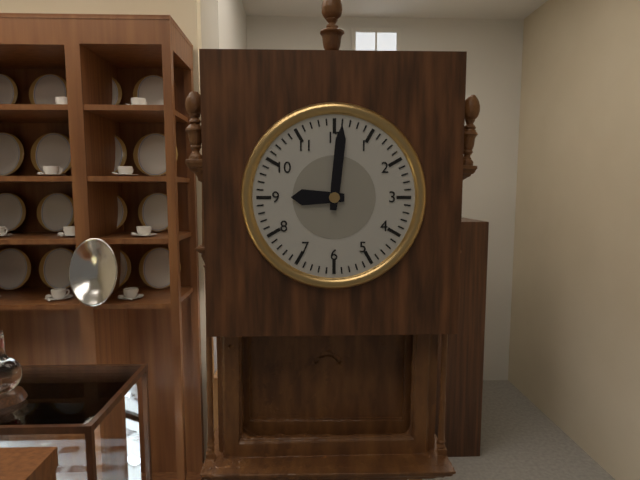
9:01
